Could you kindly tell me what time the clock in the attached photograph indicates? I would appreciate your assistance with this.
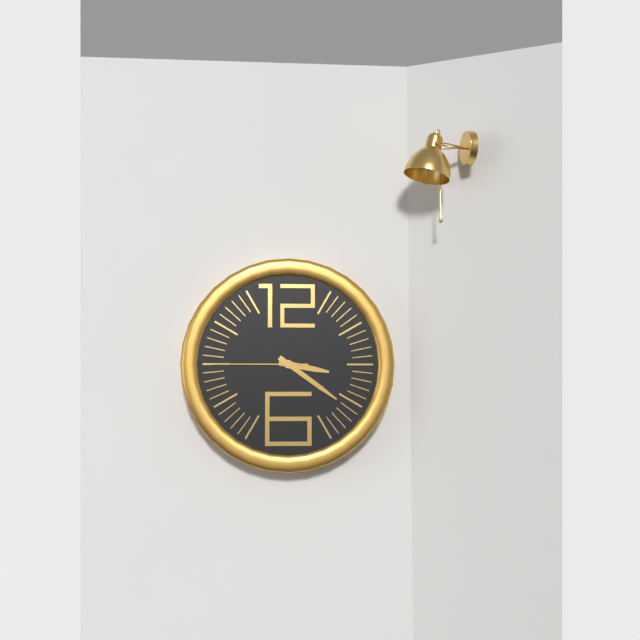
3:21:45
